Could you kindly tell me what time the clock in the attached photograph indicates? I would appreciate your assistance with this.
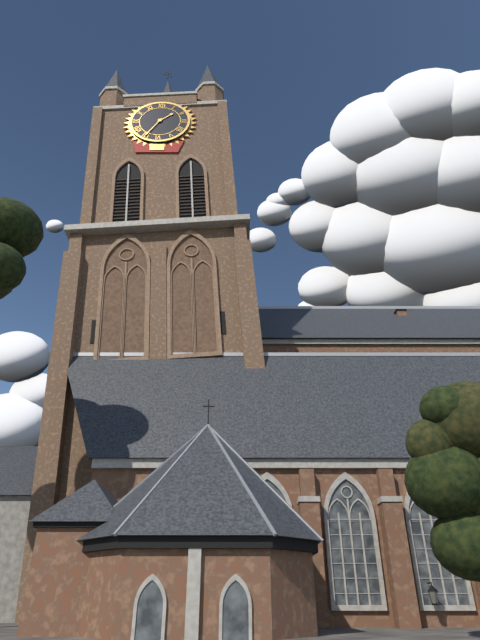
1:35
